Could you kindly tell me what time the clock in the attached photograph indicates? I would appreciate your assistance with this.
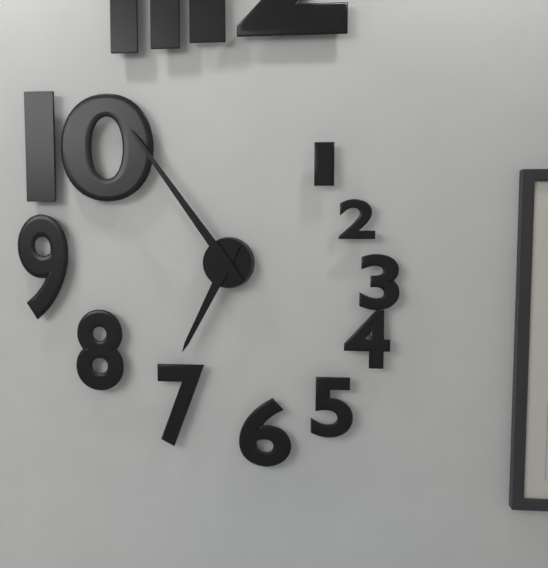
6:54
